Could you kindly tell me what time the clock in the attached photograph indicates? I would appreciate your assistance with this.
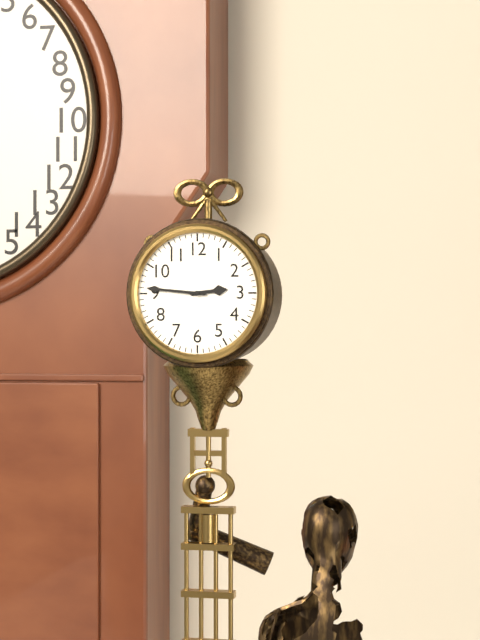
2:46
